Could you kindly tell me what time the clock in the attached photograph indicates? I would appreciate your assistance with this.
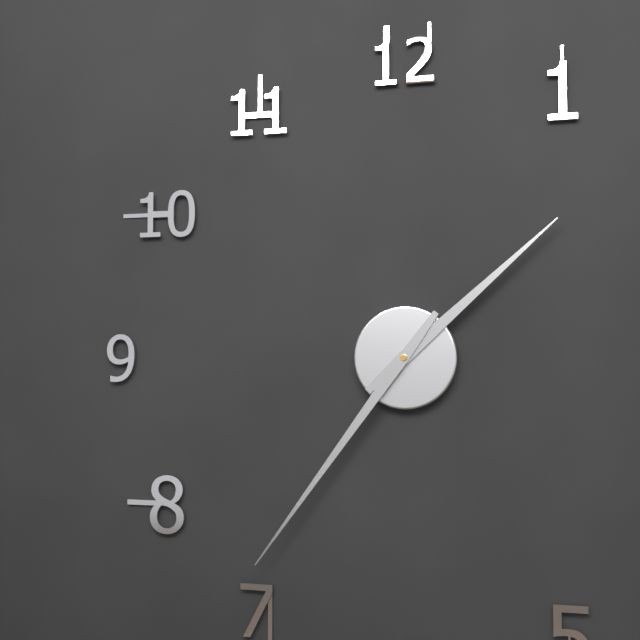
1:36
